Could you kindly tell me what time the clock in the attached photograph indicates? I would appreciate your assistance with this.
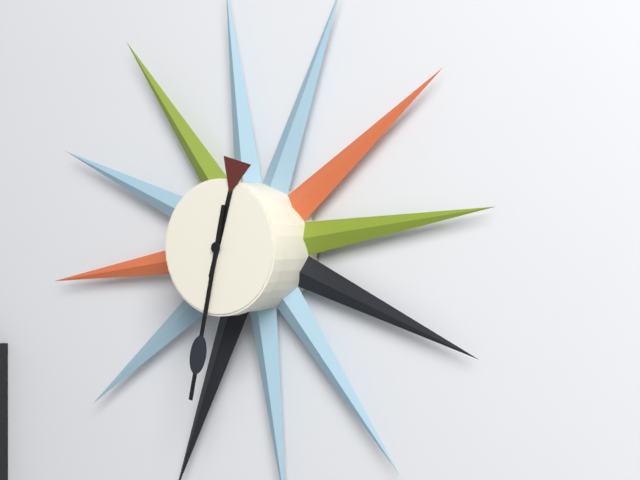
12:32
